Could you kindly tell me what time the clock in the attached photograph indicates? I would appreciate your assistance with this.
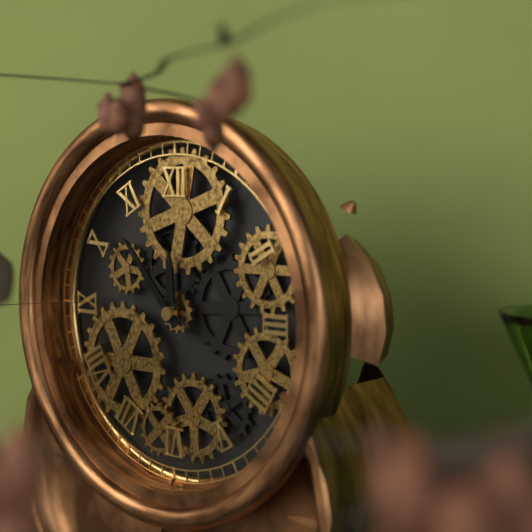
11:53
